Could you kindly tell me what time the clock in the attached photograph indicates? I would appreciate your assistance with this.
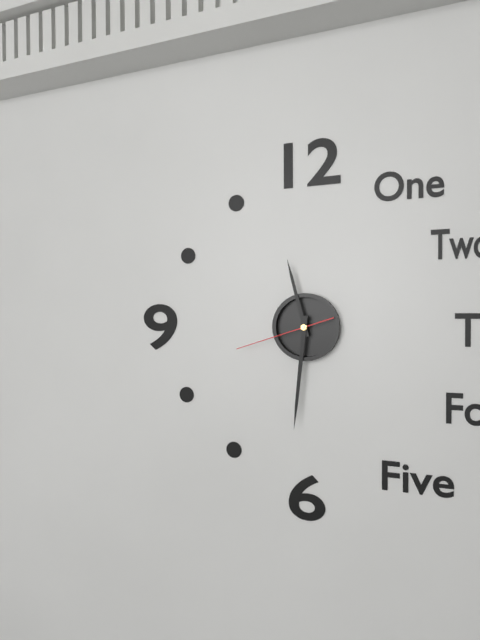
11:31:42
